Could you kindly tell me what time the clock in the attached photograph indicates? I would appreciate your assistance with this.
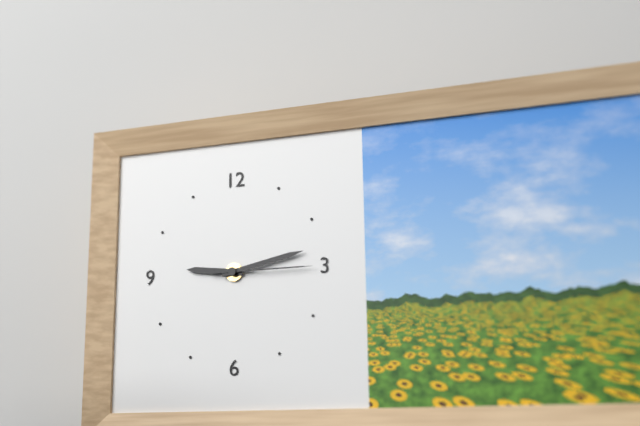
9:13:15
